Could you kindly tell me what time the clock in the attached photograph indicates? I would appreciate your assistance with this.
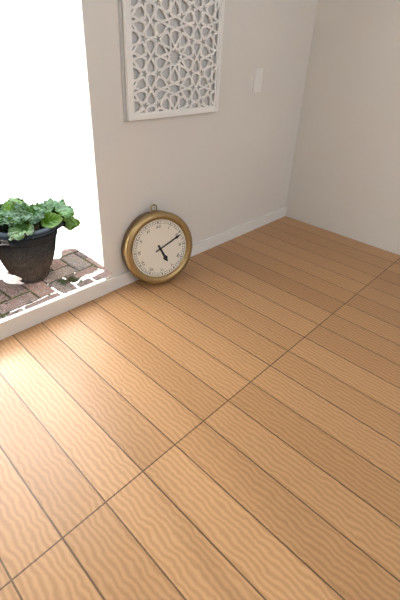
5:11
